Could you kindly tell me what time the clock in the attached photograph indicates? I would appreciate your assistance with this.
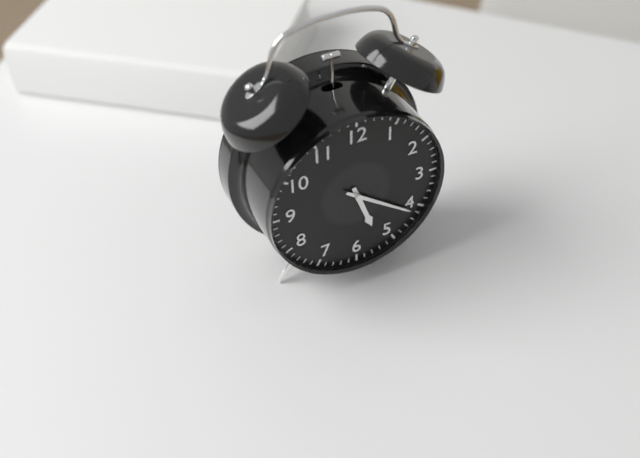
5:21
